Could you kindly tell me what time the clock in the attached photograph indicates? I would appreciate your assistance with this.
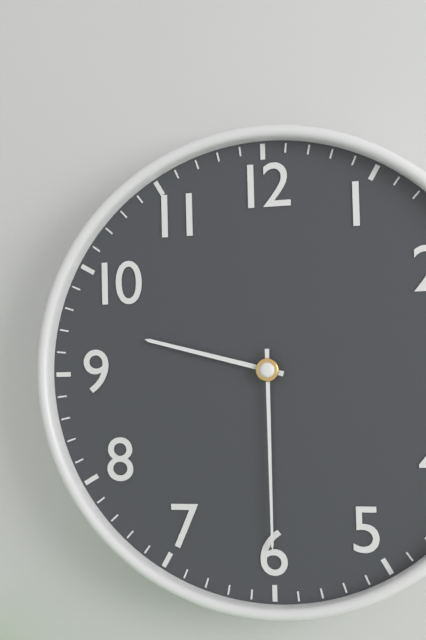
9:30
